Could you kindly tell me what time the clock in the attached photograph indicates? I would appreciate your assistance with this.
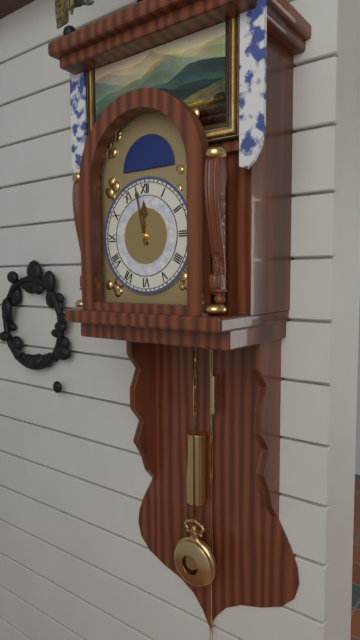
11:58
